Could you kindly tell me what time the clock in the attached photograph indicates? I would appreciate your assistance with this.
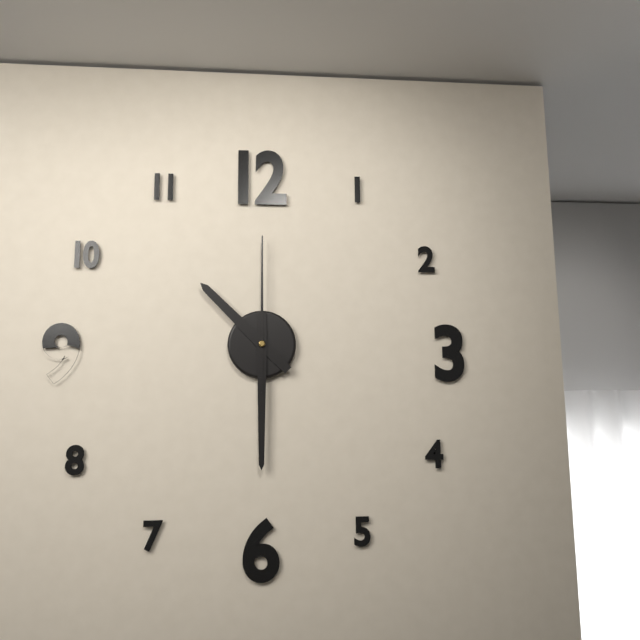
10:30:00
